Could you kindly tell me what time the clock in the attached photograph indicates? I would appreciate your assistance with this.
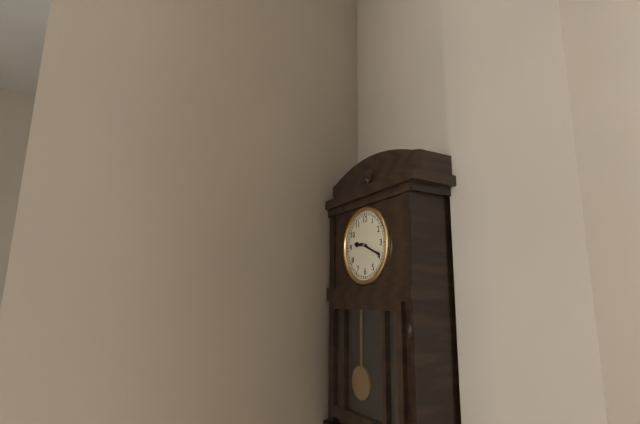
9:19
